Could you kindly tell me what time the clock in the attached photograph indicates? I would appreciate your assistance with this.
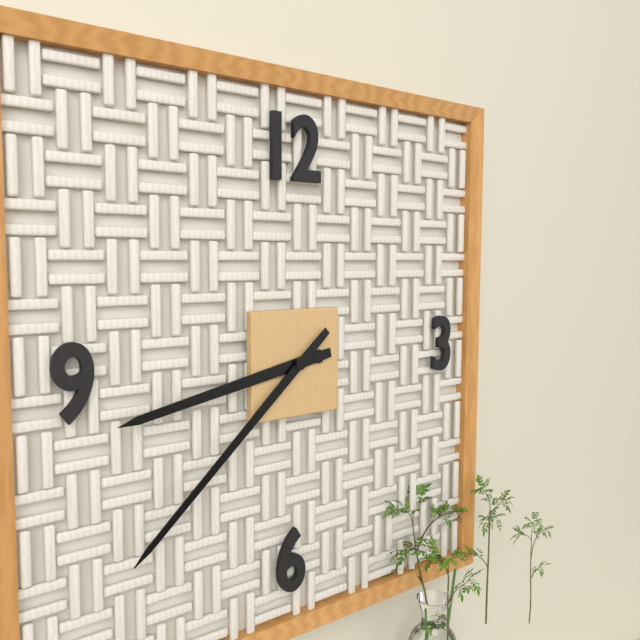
8:38
